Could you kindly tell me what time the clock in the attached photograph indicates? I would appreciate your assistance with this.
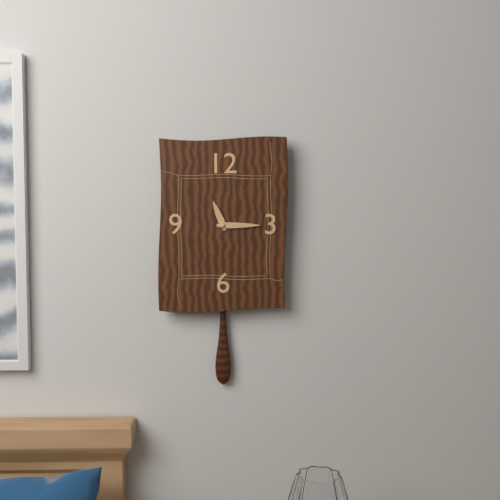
11:15
